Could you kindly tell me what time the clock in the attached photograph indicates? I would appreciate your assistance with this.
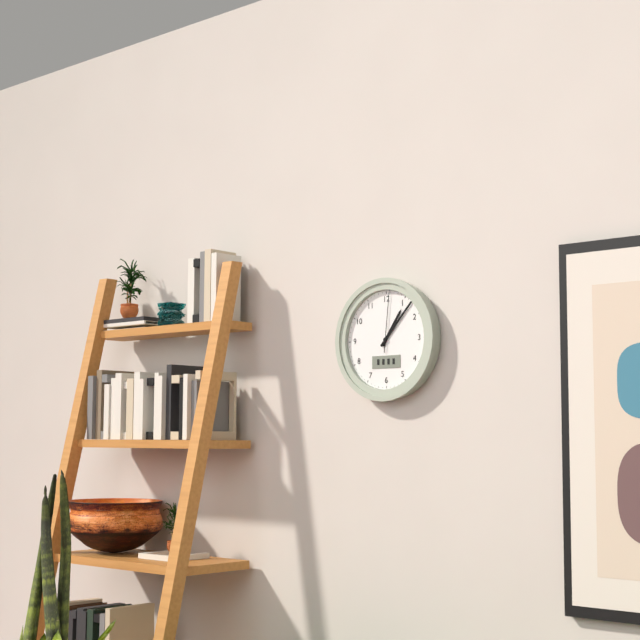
1:07:01
